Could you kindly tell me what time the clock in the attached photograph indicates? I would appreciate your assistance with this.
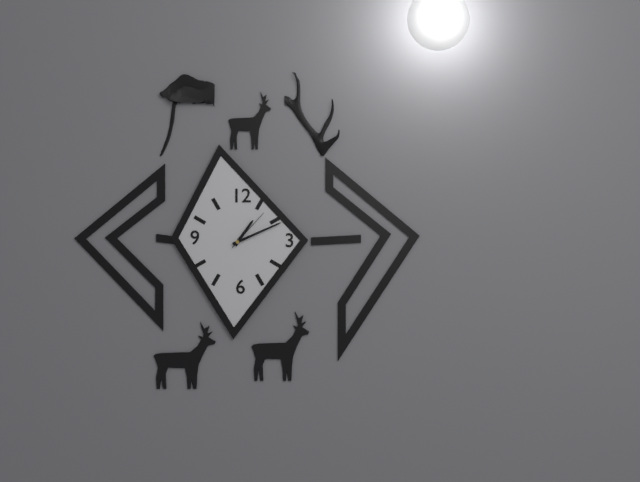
1:11
